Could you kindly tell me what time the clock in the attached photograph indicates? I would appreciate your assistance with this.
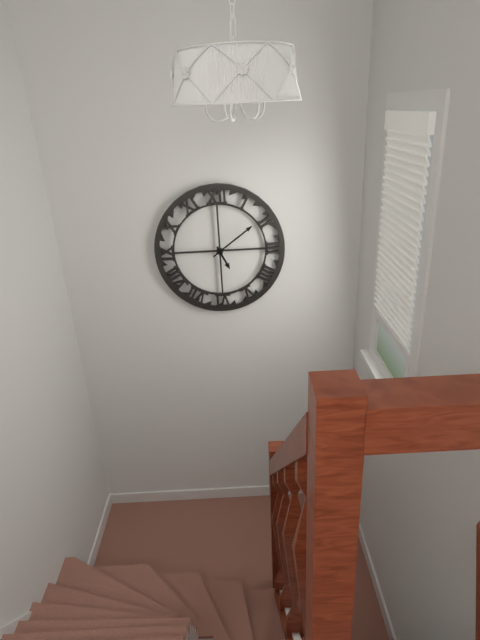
5:09
